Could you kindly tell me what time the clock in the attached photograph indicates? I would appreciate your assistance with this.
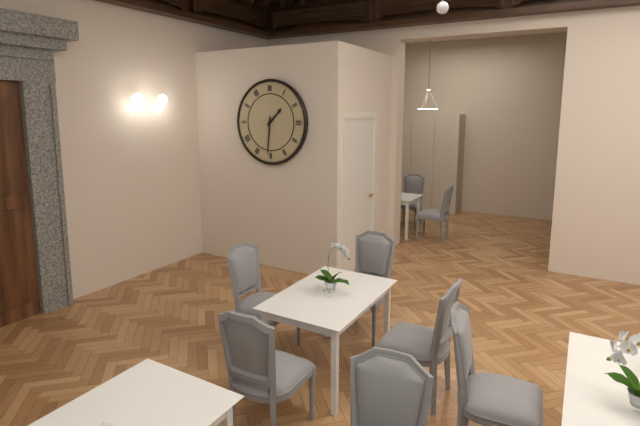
1:31
